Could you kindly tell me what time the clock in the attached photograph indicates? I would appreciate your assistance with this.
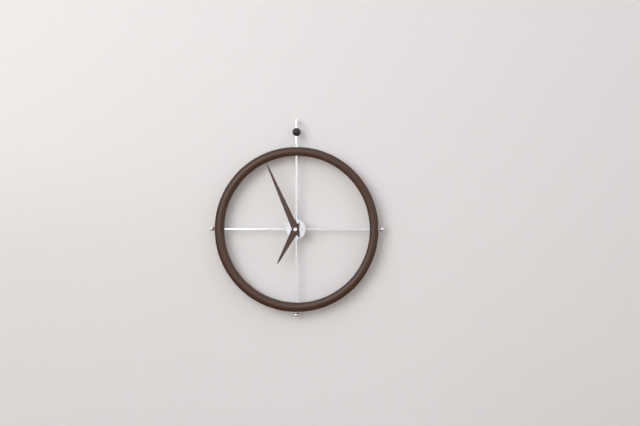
6:56
